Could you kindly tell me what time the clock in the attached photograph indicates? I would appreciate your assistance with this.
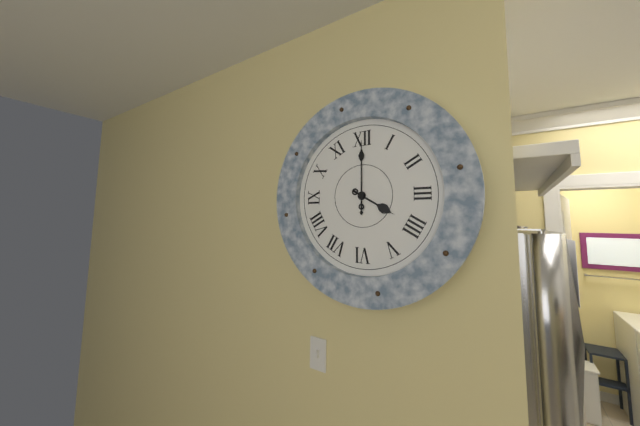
4:00
